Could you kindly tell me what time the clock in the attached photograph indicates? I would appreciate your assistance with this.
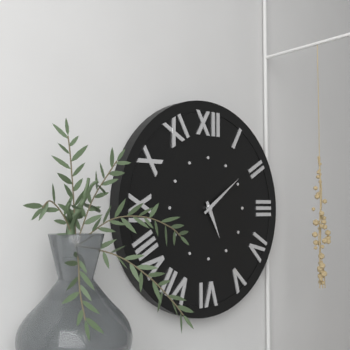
5:09
